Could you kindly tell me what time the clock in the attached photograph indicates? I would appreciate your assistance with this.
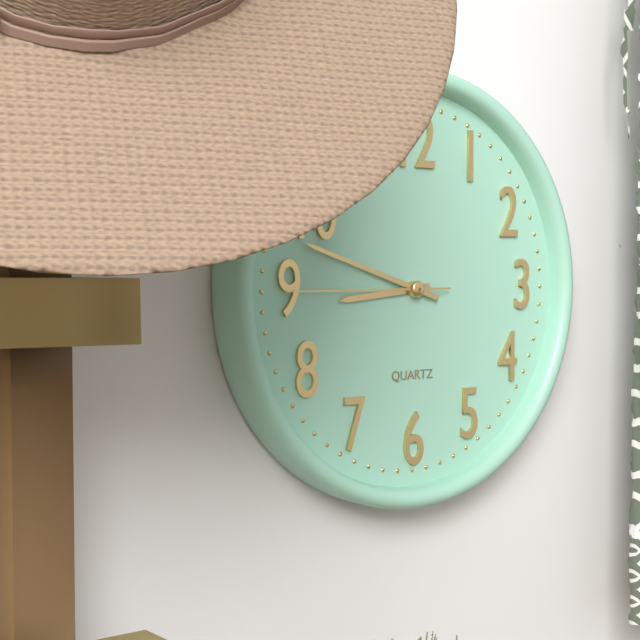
8:48:45
